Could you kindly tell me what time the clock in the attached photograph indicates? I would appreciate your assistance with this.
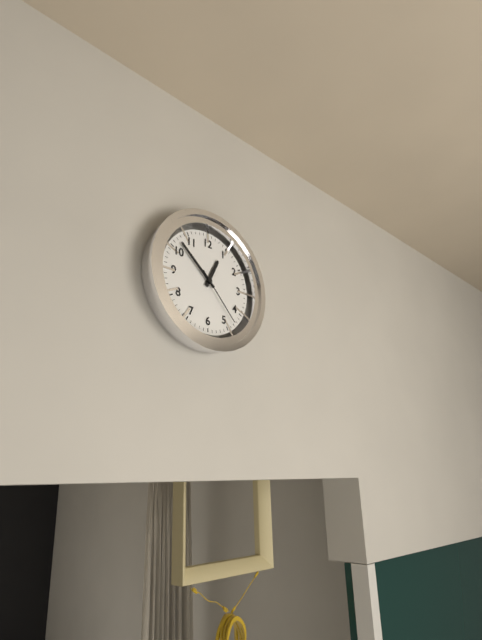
12:52:23
